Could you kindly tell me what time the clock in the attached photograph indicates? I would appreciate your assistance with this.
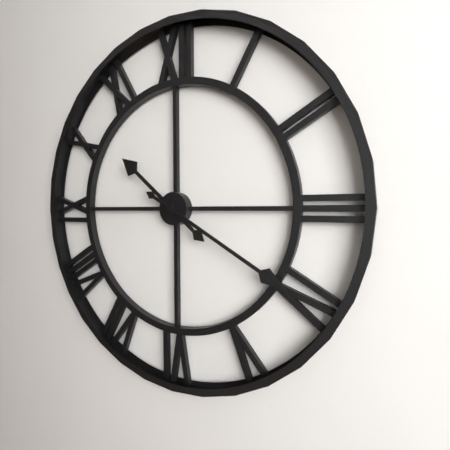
10:20
